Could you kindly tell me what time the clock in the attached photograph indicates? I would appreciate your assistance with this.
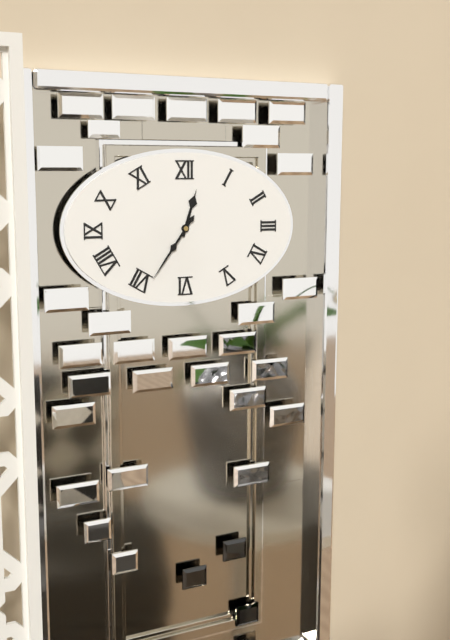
12:36
